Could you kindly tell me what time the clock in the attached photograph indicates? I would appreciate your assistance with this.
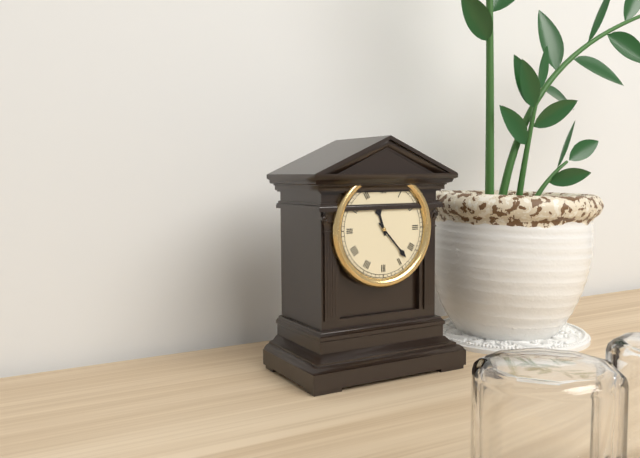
11:23
